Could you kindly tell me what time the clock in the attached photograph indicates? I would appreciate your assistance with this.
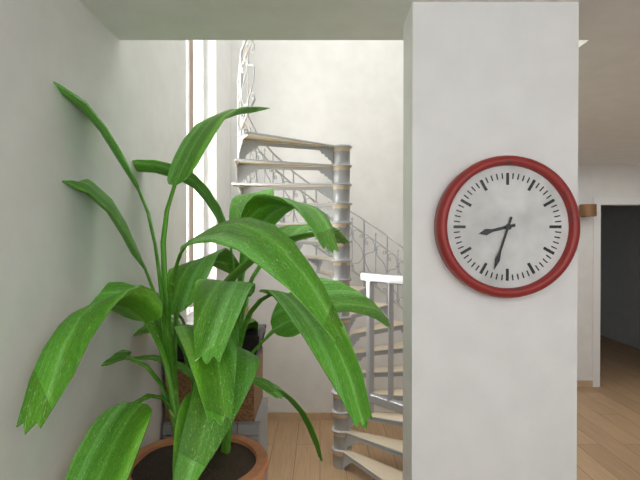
8:33
